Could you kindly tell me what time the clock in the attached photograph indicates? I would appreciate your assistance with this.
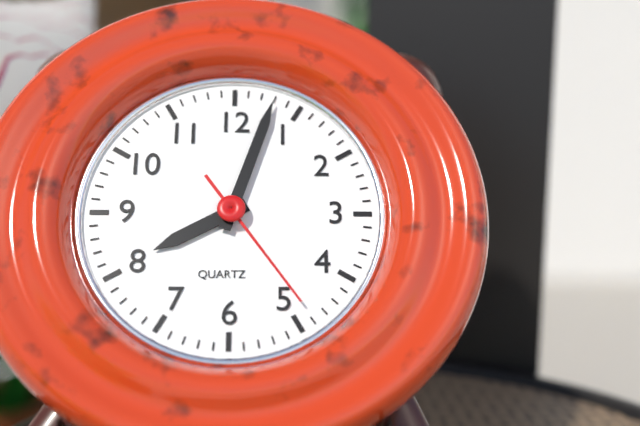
8:03:24
